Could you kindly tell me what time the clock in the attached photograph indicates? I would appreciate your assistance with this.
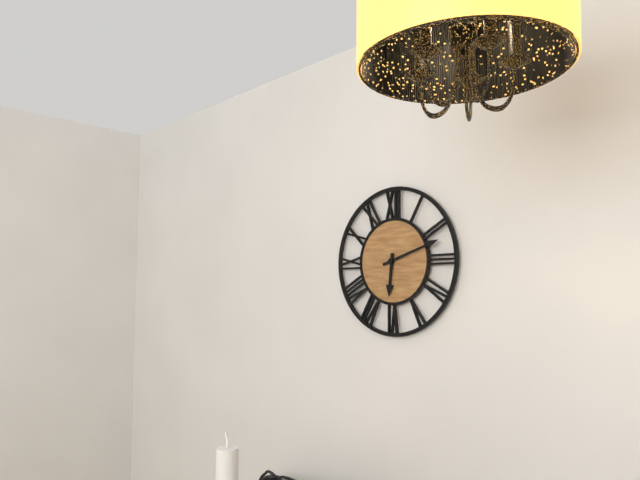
6:12
